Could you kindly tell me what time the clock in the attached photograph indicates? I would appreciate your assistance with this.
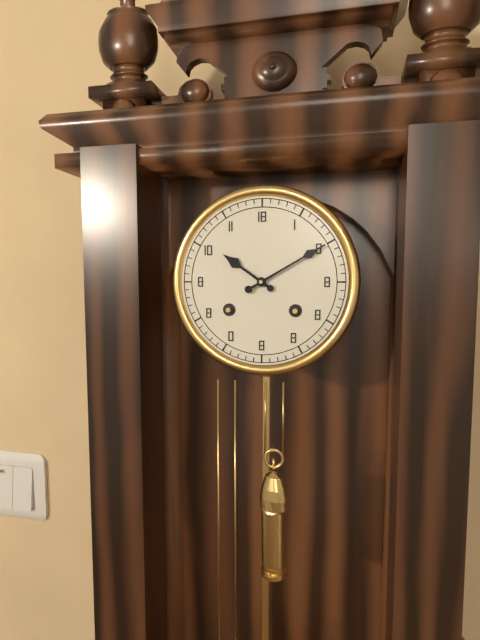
10:10
